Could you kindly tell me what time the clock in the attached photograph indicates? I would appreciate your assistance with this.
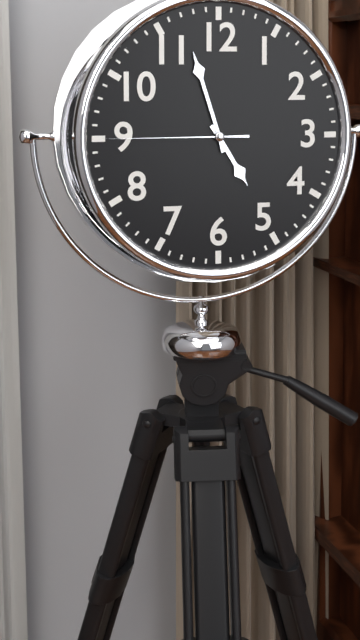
4:57:45
